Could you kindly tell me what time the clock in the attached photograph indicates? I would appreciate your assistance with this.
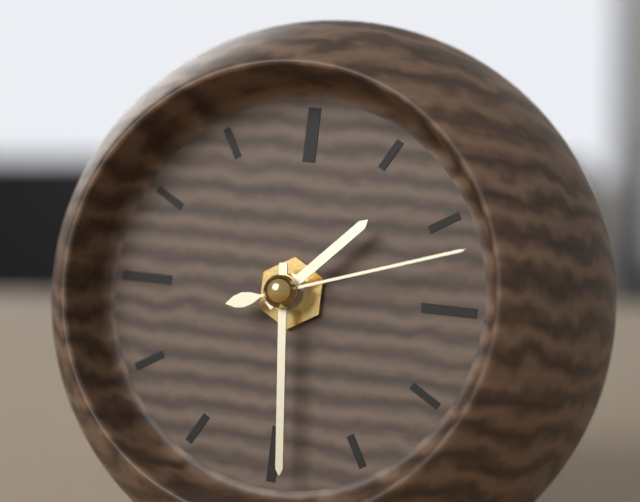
1:29:12
